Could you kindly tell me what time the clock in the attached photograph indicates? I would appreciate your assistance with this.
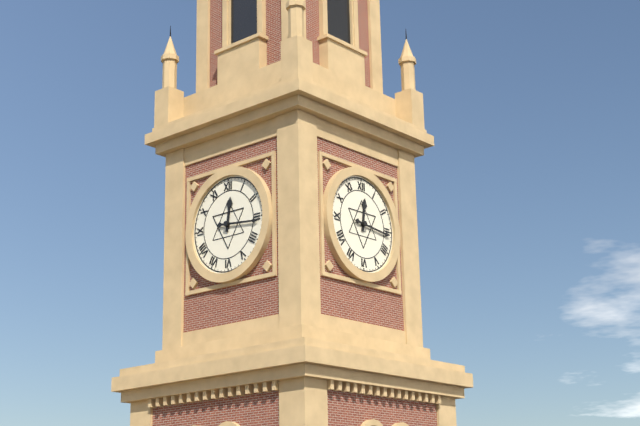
12:16
